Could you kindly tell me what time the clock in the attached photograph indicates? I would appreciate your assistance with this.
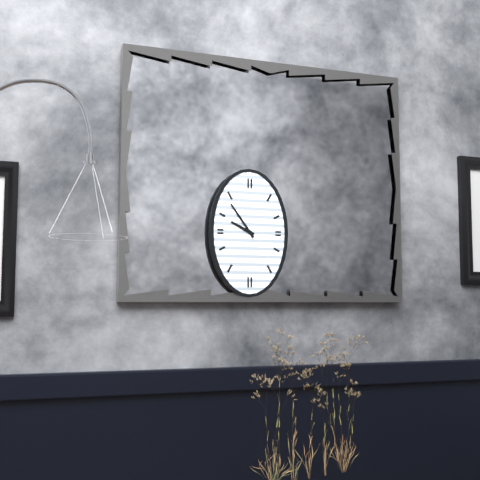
9:54
